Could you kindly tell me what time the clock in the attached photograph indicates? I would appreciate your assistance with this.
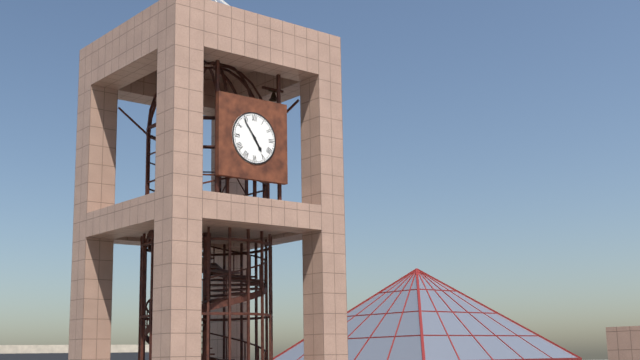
4:54
